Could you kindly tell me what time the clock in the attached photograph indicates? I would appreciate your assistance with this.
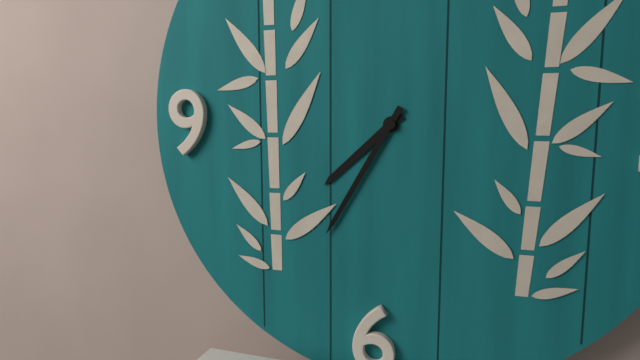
7:35
